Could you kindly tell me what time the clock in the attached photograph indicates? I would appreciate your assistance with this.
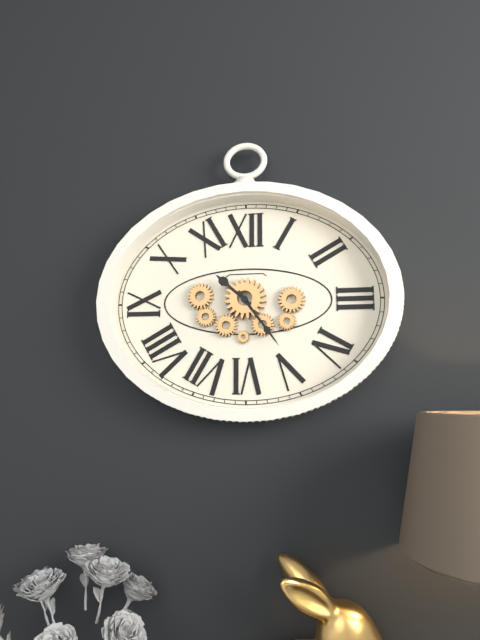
10:24
